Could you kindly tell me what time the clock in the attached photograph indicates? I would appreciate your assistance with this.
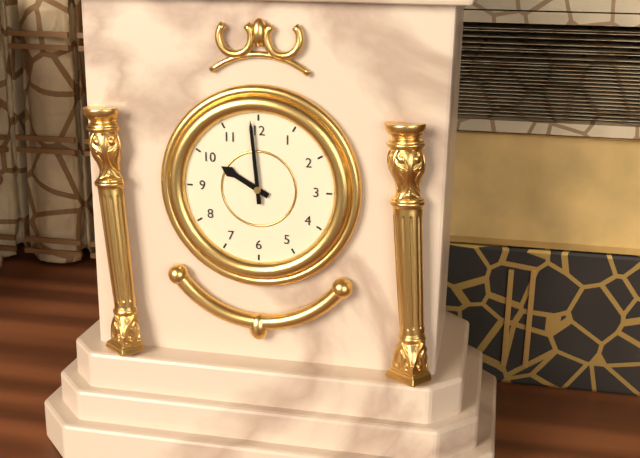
9:59
